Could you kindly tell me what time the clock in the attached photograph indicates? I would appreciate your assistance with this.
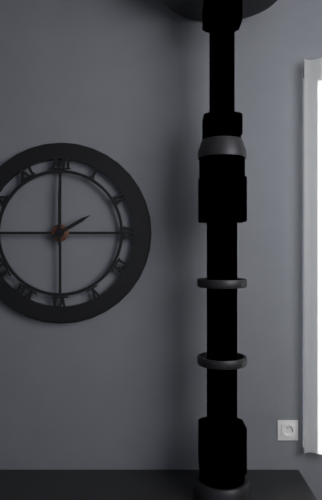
2:00
